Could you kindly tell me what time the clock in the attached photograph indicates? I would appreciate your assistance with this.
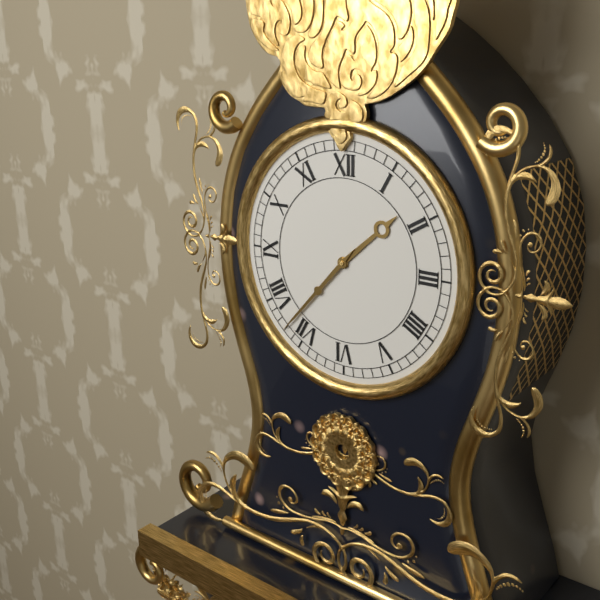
1:37
